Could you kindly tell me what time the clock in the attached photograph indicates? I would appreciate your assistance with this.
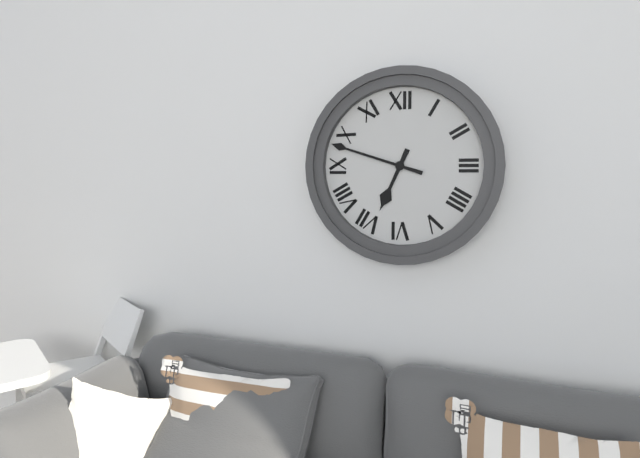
6:48
